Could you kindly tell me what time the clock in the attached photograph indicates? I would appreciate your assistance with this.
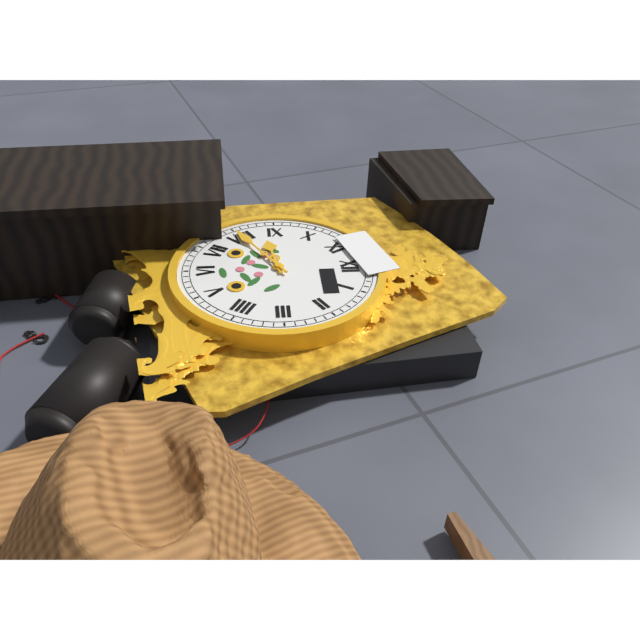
8:40
